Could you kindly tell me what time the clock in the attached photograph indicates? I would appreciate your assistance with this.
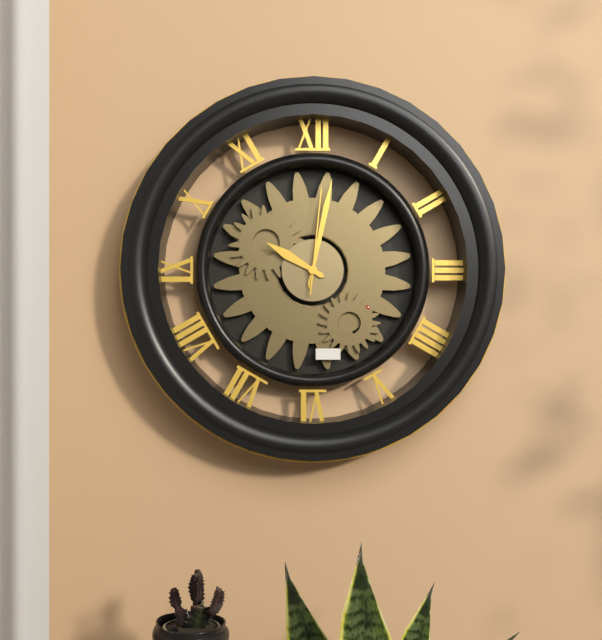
10:02:01
